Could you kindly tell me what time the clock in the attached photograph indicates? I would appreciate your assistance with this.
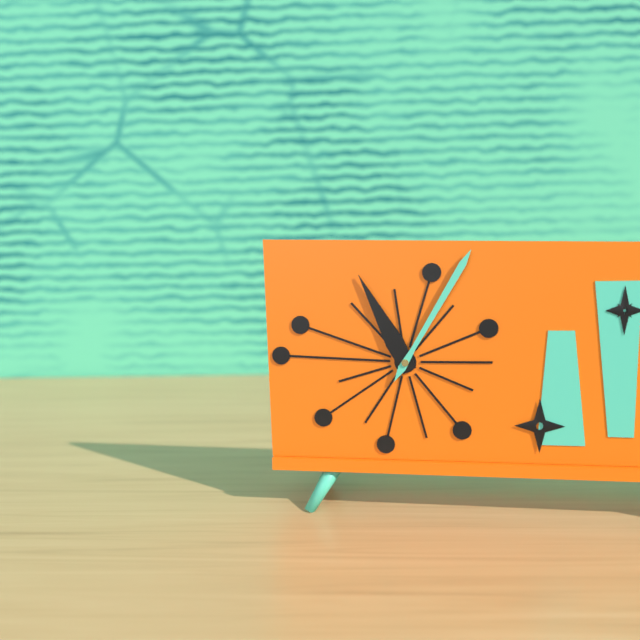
11:05
